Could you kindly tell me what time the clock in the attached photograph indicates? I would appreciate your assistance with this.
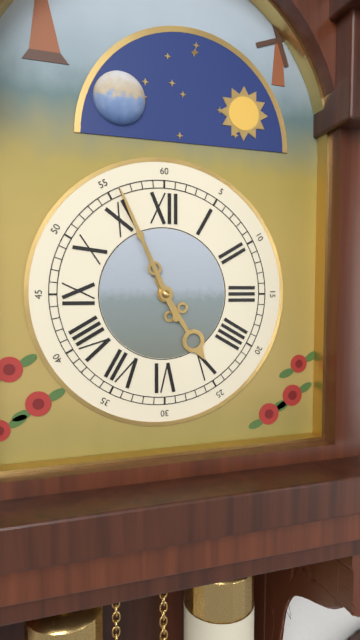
4:56
